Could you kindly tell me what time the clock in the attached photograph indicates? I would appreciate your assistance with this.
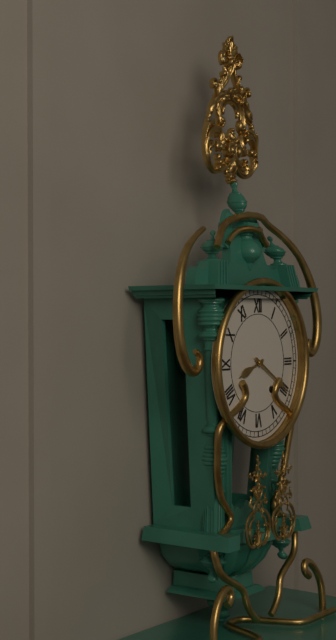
8:20
